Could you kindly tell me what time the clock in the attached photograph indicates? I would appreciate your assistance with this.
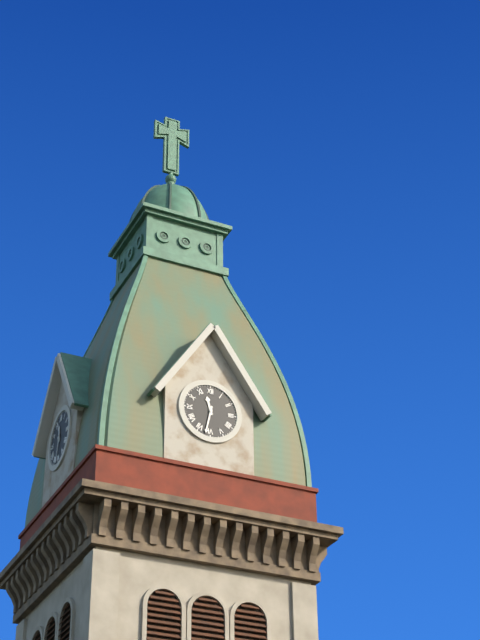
11:32
